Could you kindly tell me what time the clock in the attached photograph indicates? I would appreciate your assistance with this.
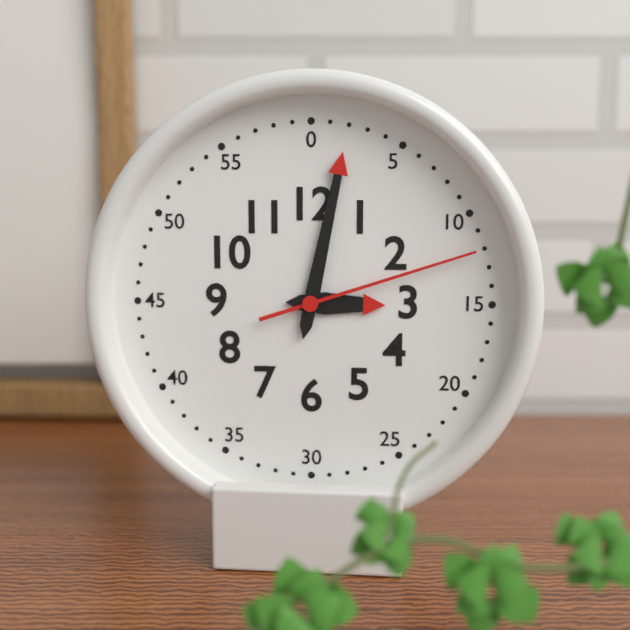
3:02:12
